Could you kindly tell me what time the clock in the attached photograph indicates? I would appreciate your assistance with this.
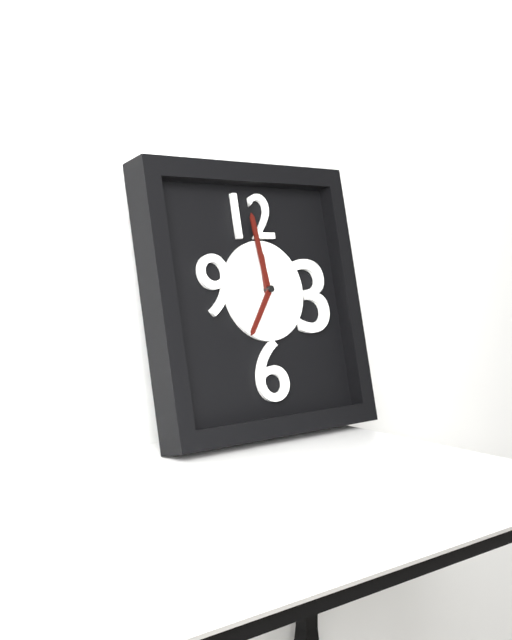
11:59:36
